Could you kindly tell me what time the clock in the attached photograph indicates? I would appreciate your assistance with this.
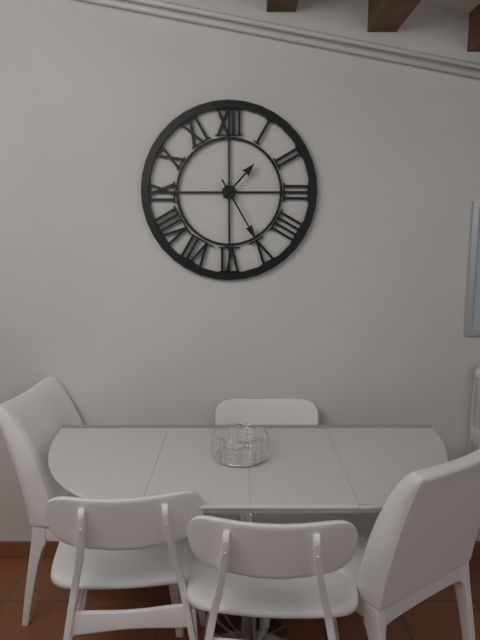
1:25
